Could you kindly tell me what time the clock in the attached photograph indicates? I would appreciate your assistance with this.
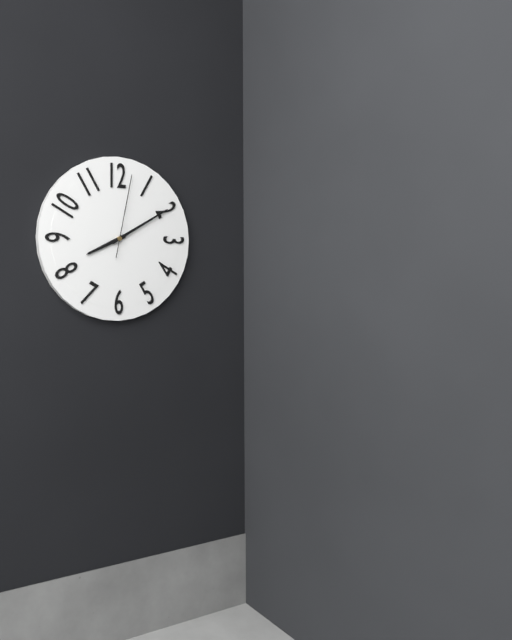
8:10:02
